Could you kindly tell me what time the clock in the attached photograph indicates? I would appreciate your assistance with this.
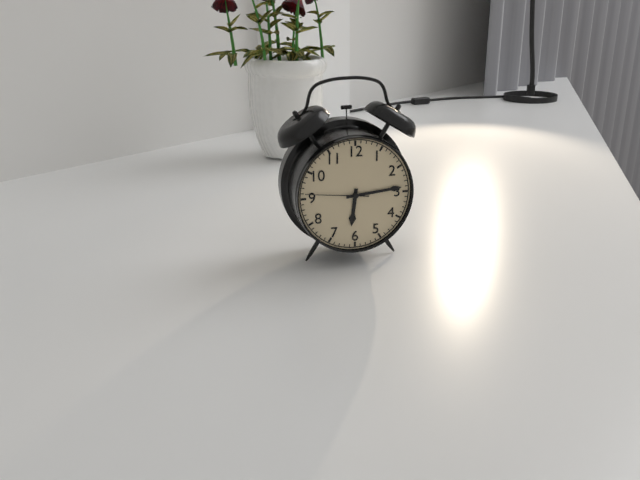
6:14:46
